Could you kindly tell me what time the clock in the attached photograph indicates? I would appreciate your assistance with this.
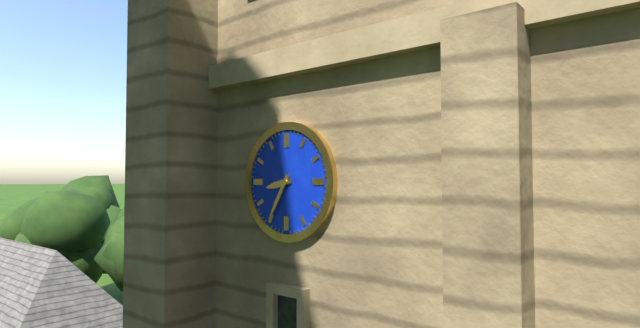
8:35
